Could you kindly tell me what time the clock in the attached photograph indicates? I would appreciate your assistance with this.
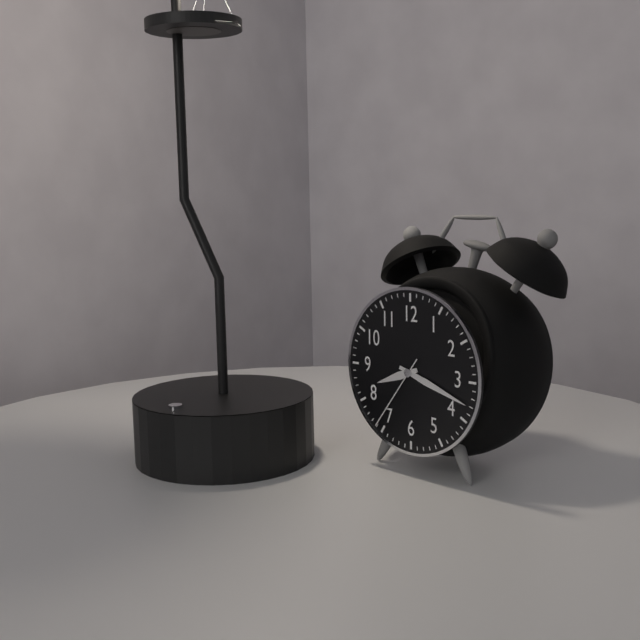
8:18:36
